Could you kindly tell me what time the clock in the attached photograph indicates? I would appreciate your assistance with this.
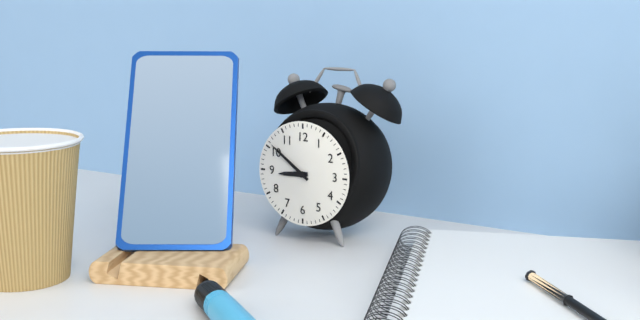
8:51
